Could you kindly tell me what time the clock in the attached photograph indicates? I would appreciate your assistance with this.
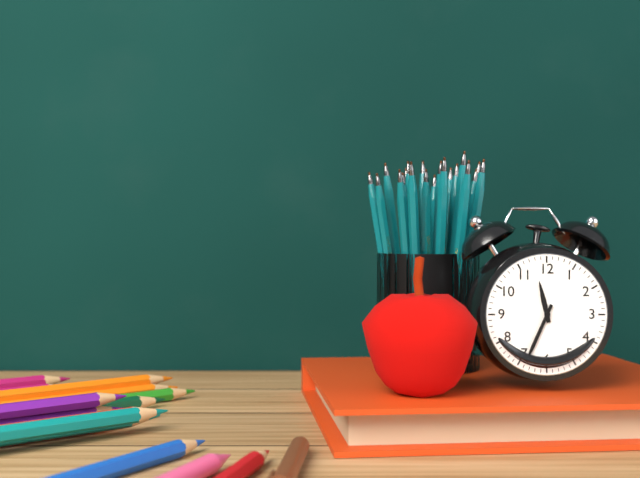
11:34
